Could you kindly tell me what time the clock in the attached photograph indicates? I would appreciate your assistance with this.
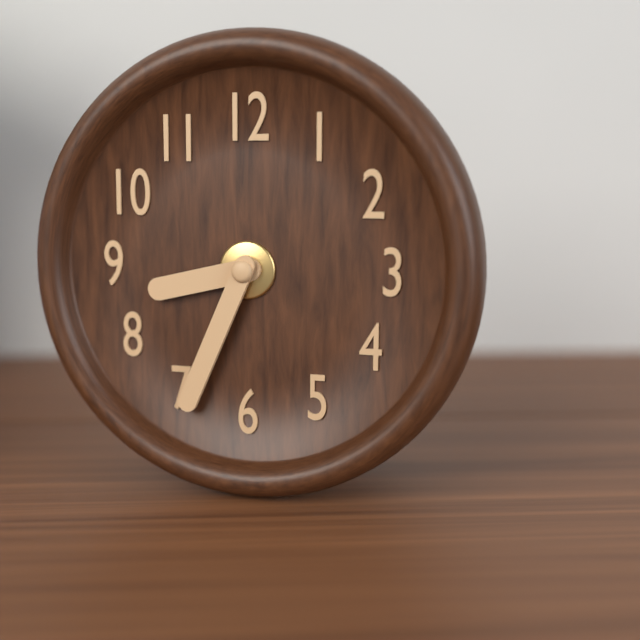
8:34
